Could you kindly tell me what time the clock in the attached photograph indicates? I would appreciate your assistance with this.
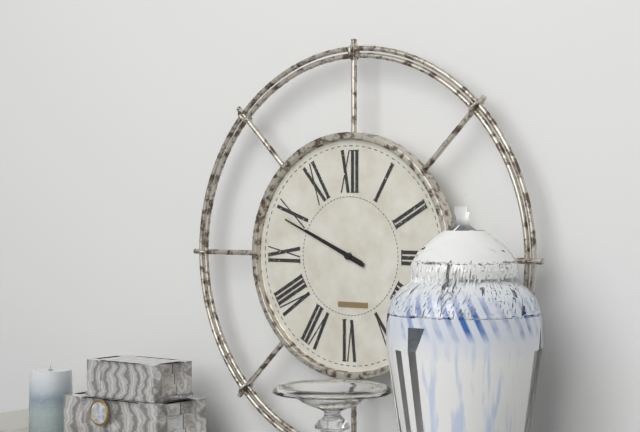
9:49
